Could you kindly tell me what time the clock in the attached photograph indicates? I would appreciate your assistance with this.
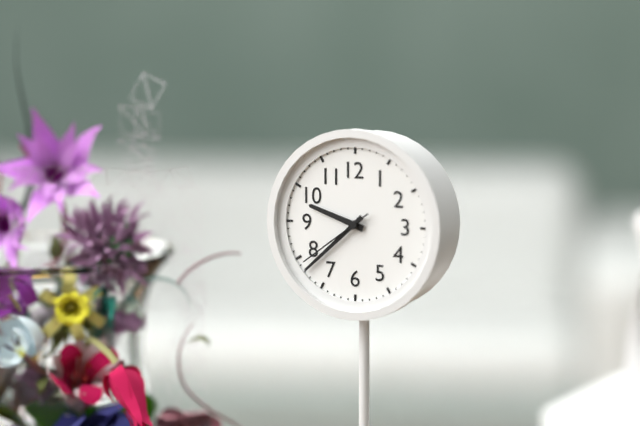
9:38:39
